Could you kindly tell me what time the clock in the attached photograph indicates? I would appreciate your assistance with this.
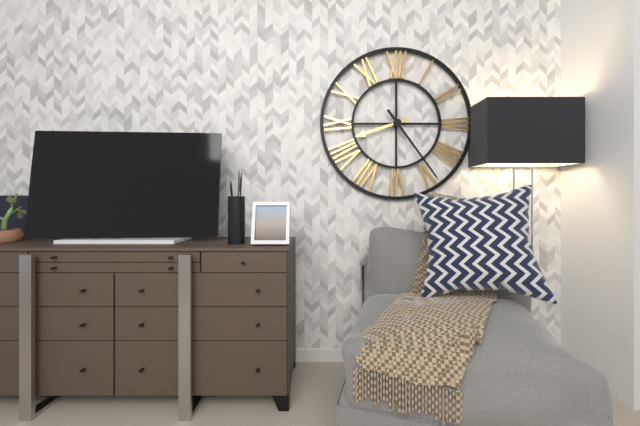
8:24
